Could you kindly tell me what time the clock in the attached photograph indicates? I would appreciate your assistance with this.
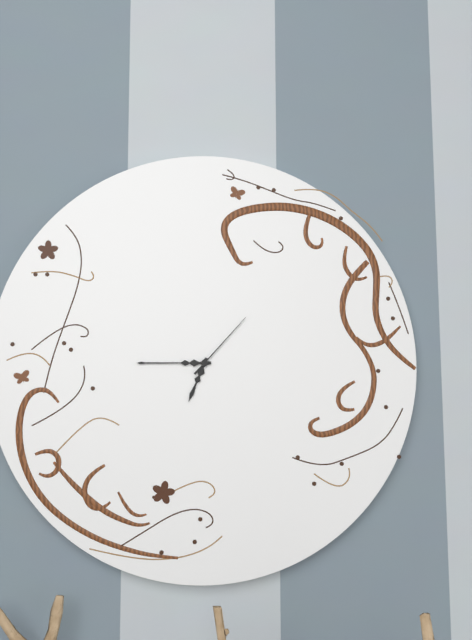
6:45:07
